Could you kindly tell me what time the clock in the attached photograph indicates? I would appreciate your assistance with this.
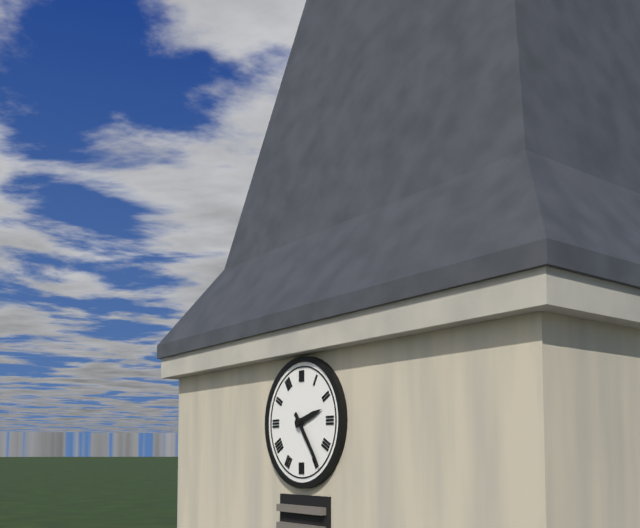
2:24
